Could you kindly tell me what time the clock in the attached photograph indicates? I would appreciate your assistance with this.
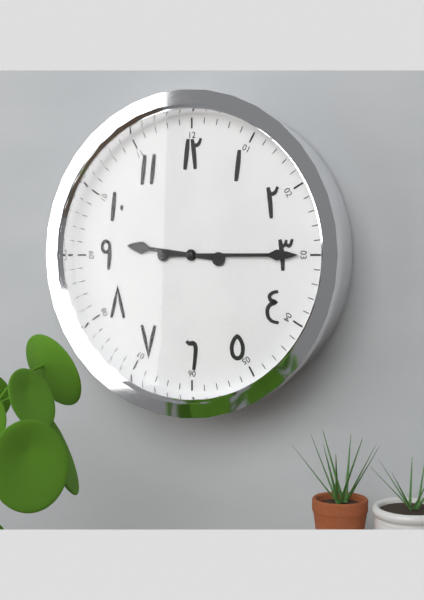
9:15
